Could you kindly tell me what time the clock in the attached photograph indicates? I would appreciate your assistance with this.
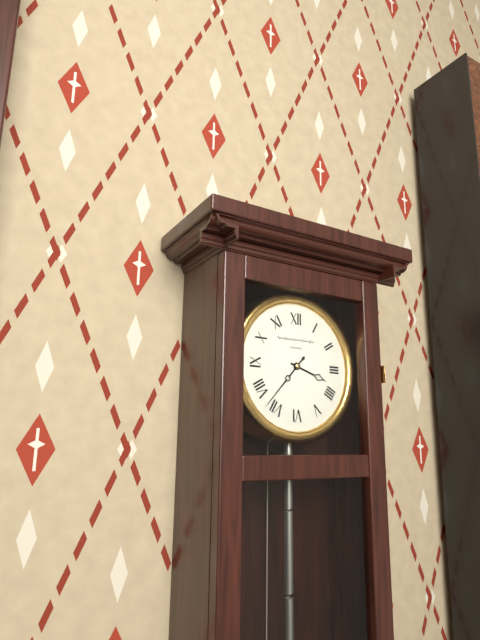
3:37
